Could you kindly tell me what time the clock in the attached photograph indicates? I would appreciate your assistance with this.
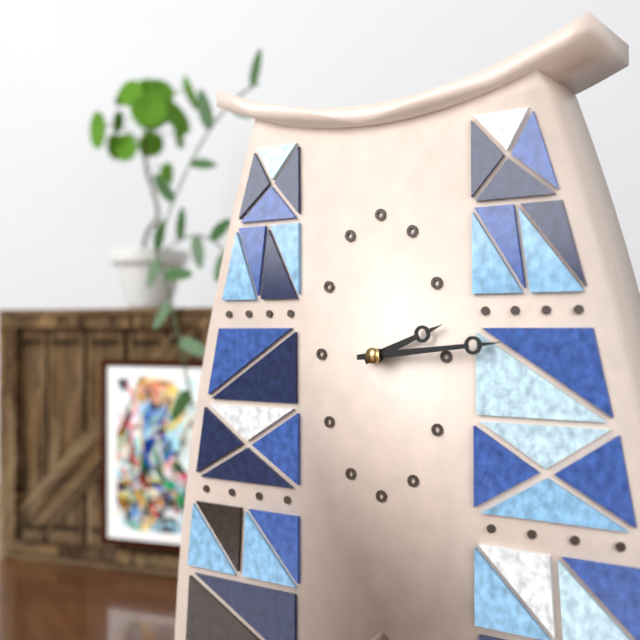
2:14
